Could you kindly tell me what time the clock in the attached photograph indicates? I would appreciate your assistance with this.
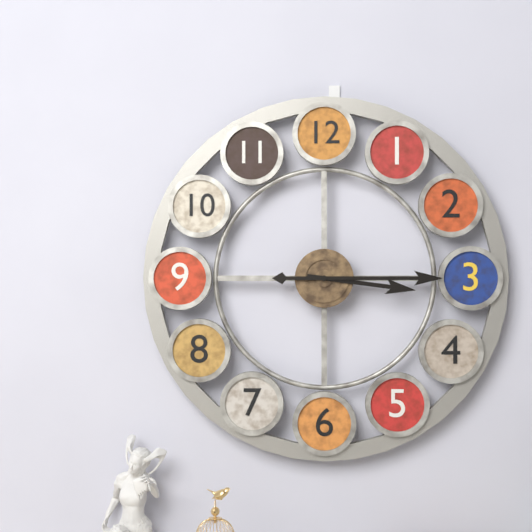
3:15
